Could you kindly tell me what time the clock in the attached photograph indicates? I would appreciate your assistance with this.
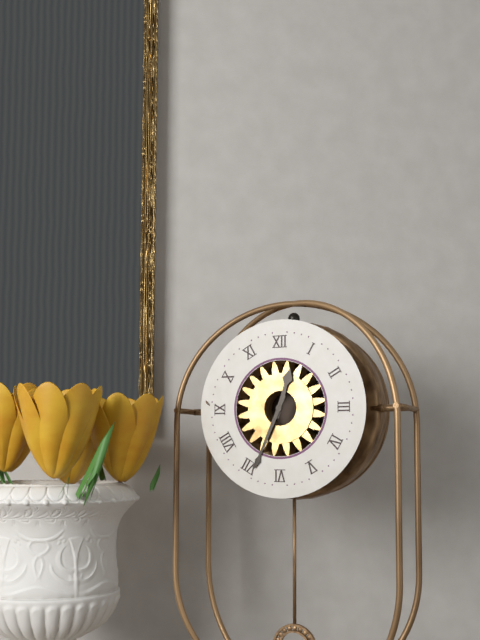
12:34
